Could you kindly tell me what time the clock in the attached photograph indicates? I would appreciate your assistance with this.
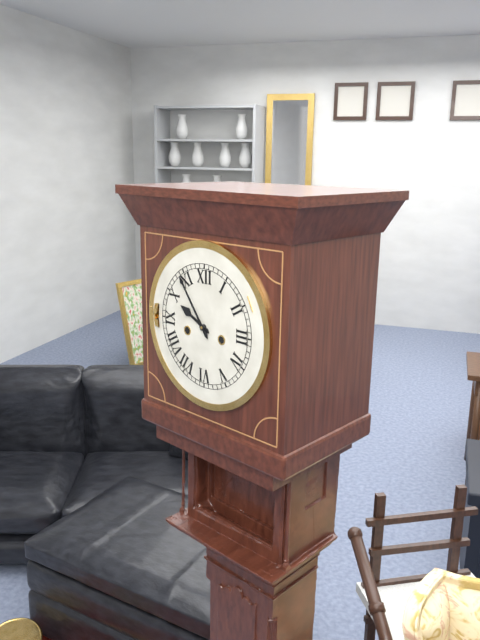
9:54
